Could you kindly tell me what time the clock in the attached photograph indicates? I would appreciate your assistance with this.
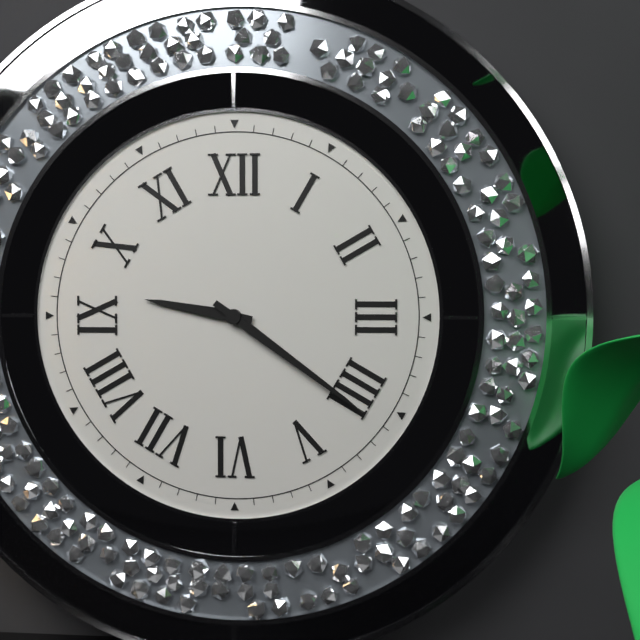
9:21
